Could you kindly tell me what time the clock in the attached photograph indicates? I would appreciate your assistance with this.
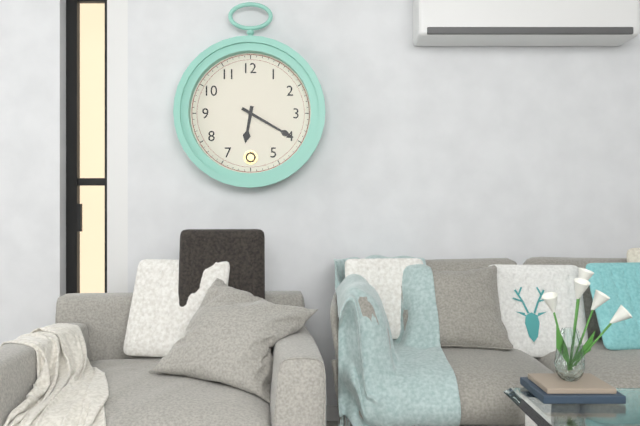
6:20
